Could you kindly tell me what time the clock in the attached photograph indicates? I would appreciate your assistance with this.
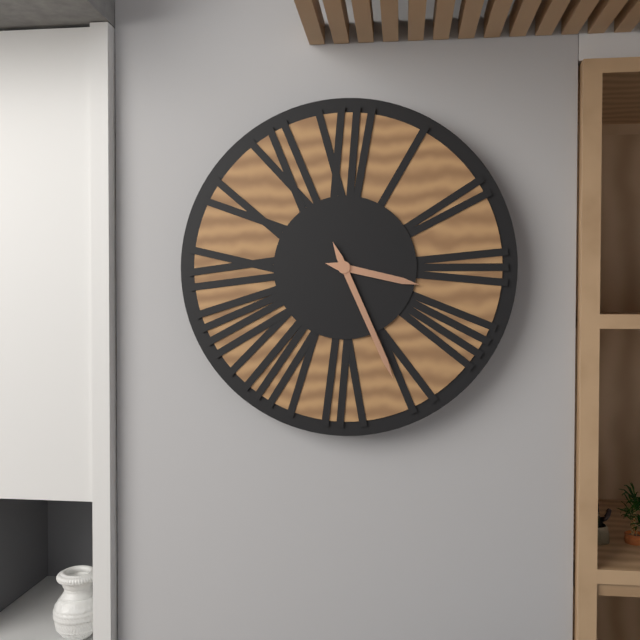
3:26
